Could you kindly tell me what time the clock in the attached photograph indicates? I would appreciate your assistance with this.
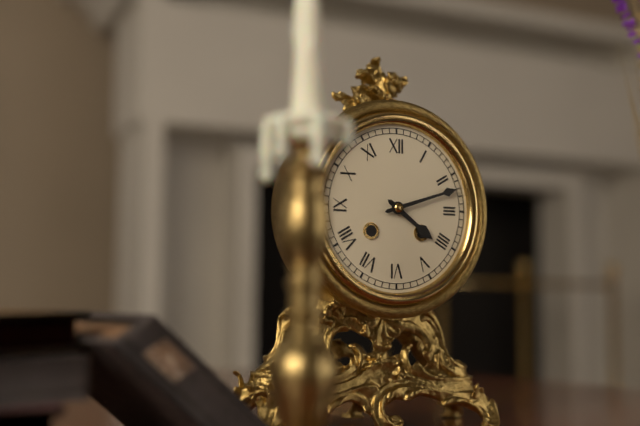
4:12
